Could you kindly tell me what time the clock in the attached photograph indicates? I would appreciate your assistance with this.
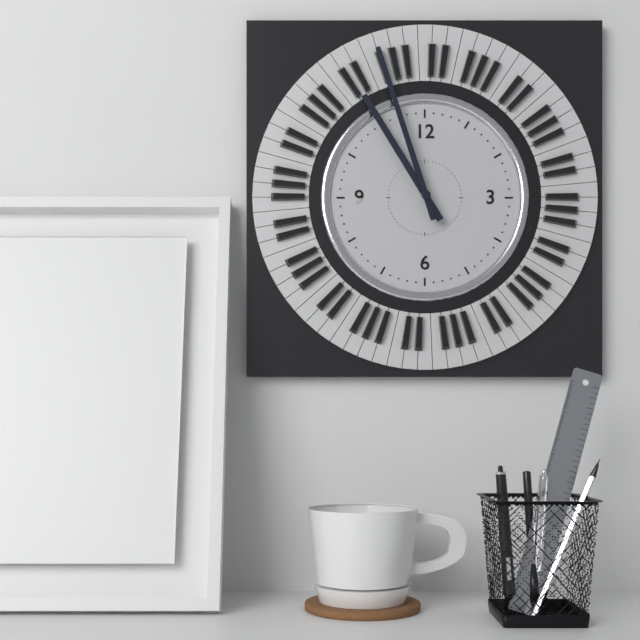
10:57
